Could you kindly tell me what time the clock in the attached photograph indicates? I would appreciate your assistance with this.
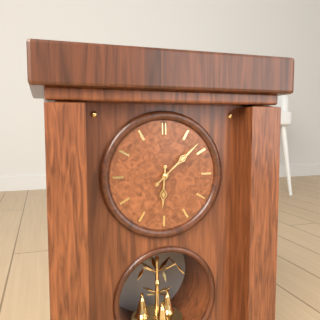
6:08
